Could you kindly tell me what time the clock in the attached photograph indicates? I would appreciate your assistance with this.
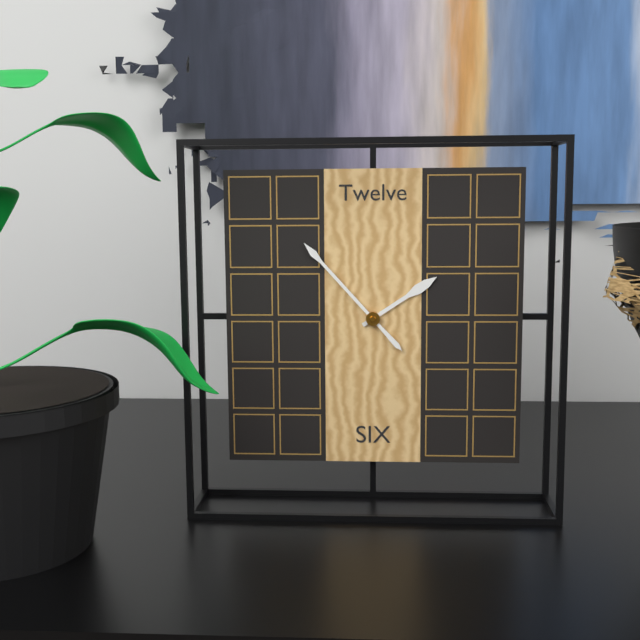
1:53
